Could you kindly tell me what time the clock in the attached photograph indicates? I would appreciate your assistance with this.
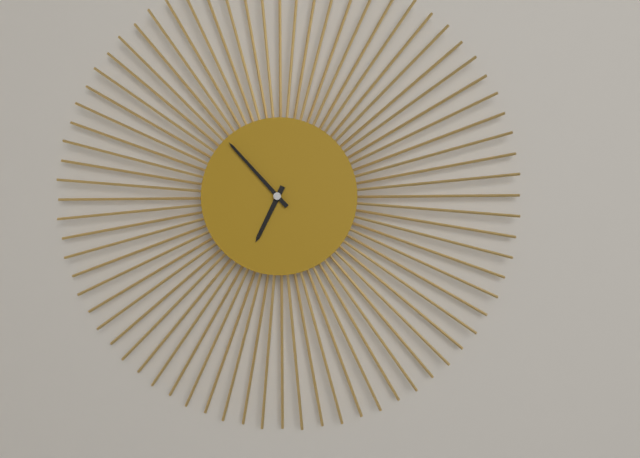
6:53
